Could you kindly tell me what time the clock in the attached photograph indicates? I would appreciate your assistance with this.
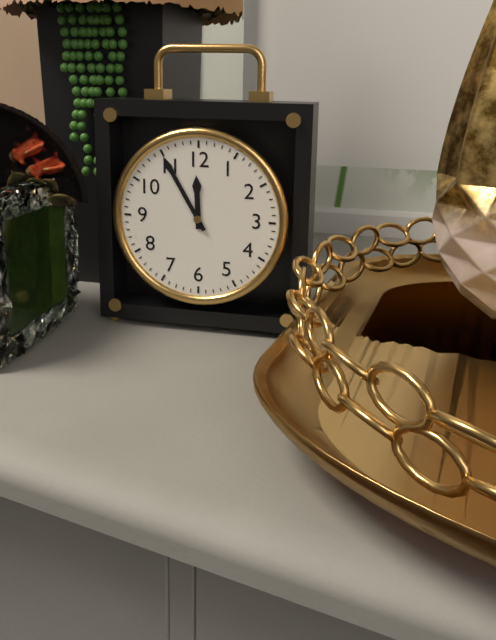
11:55
